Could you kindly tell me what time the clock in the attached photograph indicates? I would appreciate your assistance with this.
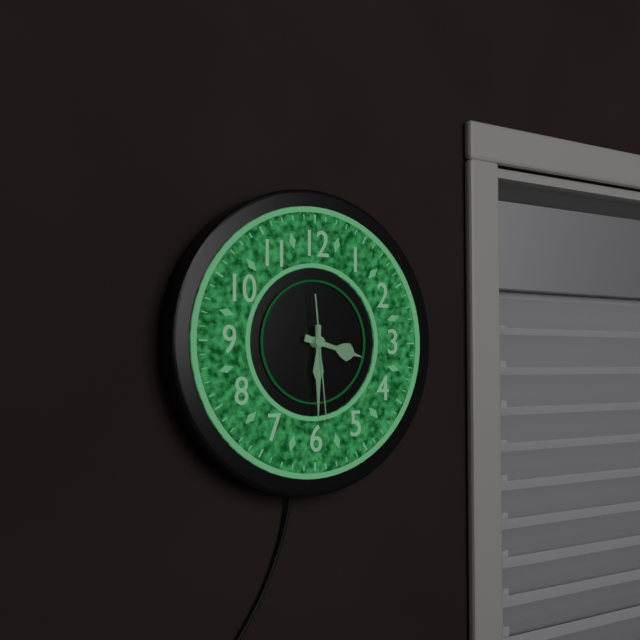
3:30:29
